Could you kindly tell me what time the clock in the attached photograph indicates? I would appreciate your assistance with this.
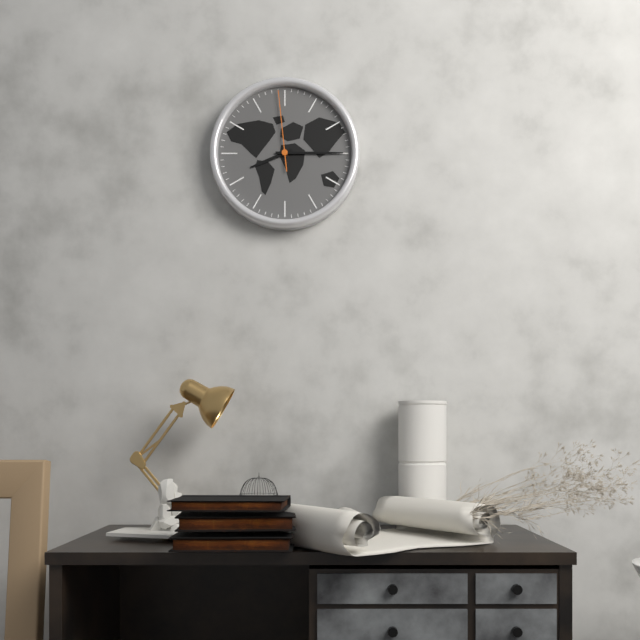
8:15:59
